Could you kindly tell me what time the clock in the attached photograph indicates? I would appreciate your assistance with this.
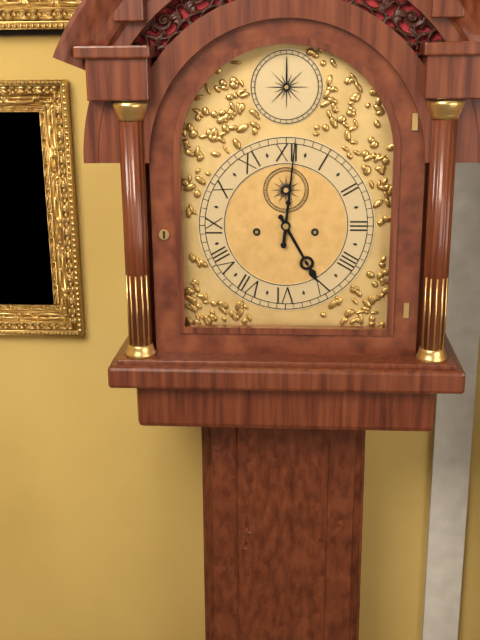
5:01
